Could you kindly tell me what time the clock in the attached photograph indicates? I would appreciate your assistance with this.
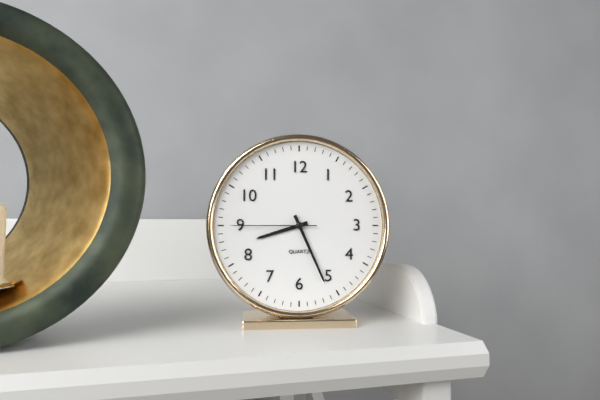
8:26:45
